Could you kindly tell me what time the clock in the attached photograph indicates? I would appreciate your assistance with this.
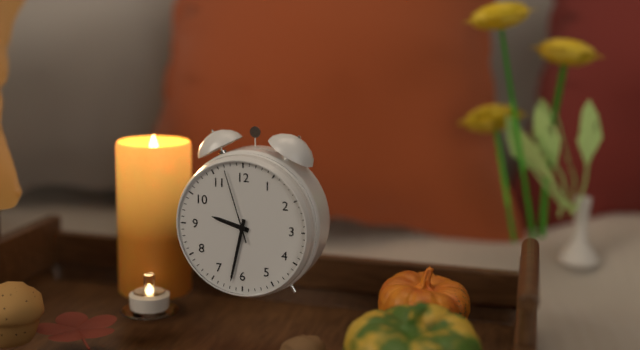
9:32:57
